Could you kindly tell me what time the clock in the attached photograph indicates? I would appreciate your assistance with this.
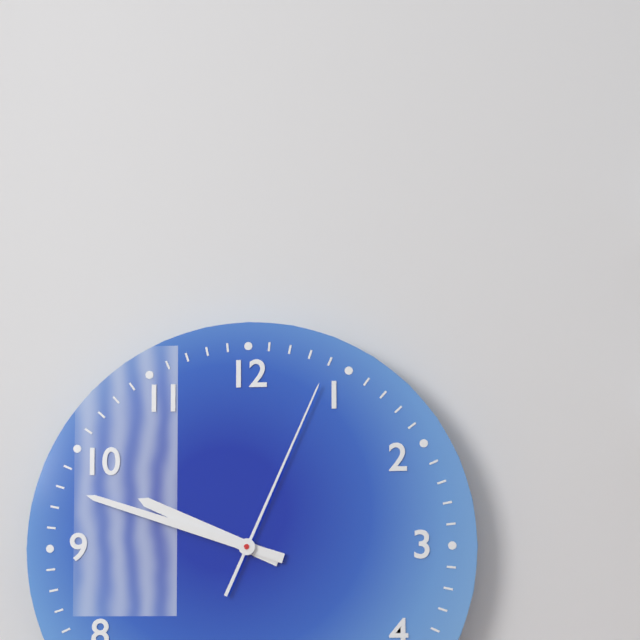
9:48:04
